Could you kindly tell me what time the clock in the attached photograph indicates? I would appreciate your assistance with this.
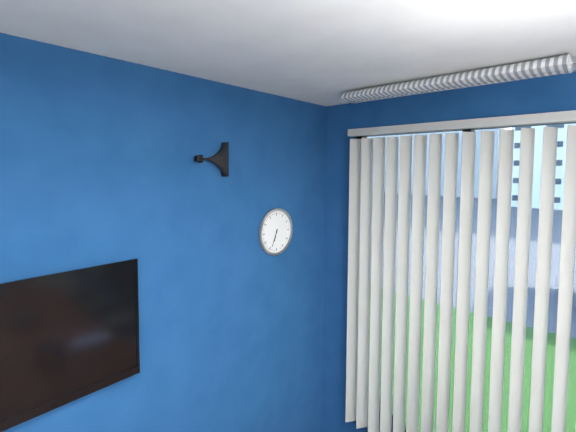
6:34
